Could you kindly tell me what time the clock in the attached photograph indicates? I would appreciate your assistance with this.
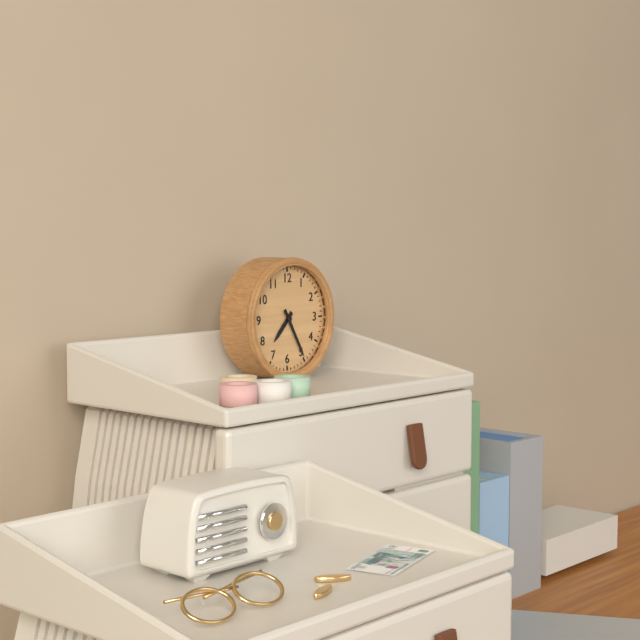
7:25
